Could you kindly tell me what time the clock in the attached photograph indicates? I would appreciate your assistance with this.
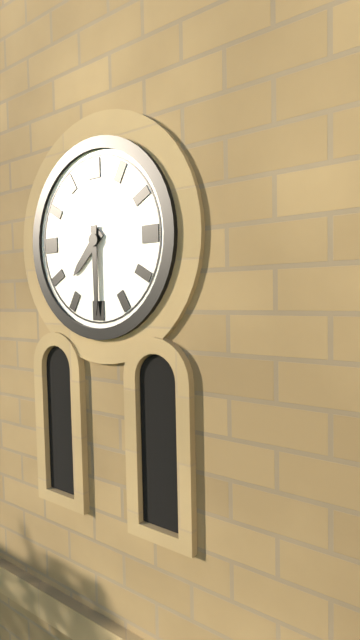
7:30
